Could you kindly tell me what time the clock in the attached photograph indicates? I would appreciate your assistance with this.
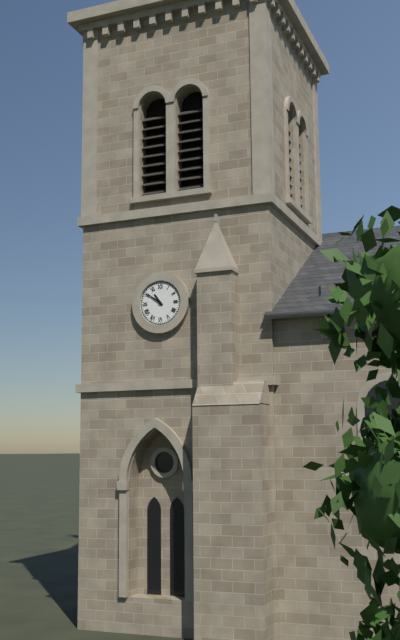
10:51
